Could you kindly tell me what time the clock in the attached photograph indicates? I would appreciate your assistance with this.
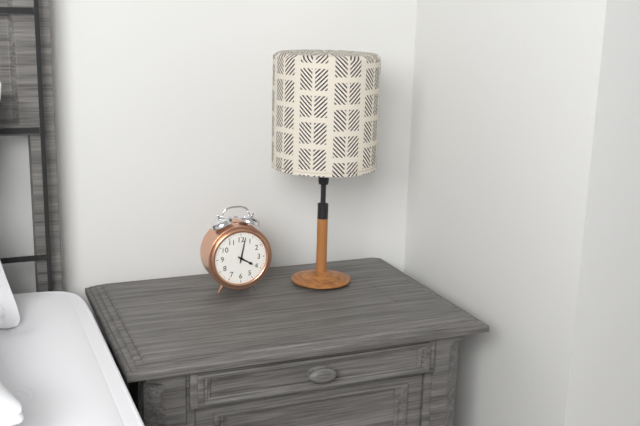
4:02
